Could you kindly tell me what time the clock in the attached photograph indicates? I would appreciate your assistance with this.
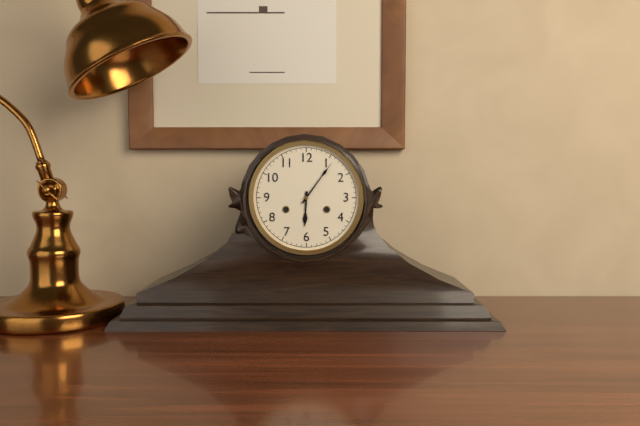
6:06
